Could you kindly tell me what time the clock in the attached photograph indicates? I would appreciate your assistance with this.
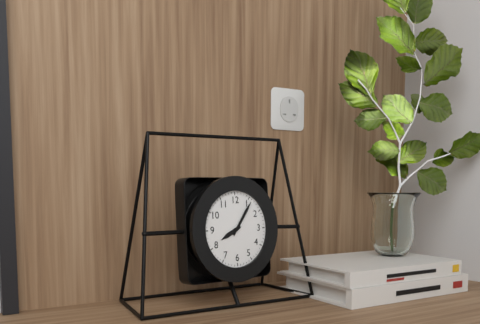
8:06
